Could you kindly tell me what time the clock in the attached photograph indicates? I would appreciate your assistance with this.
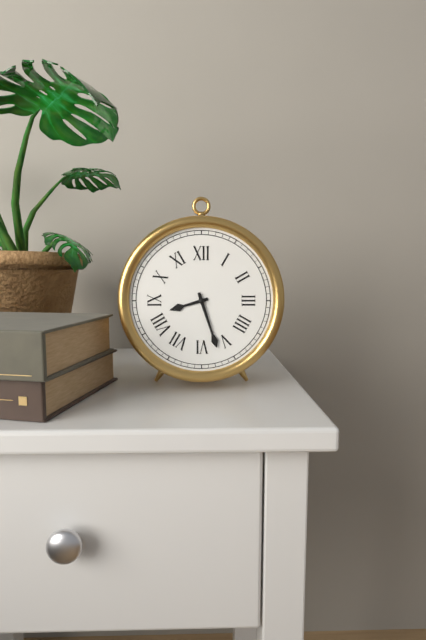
8:27
